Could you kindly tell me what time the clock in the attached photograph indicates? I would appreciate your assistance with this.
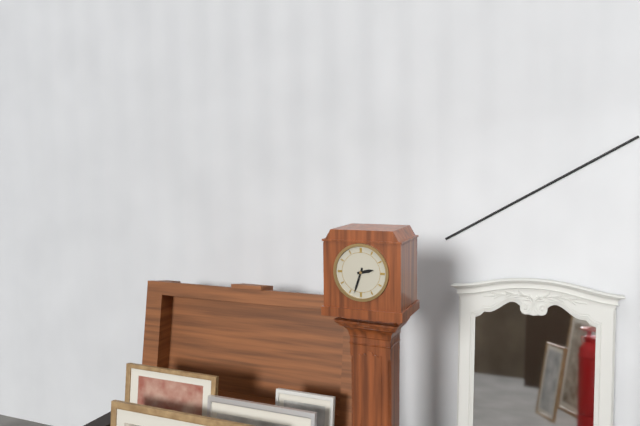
2:33
